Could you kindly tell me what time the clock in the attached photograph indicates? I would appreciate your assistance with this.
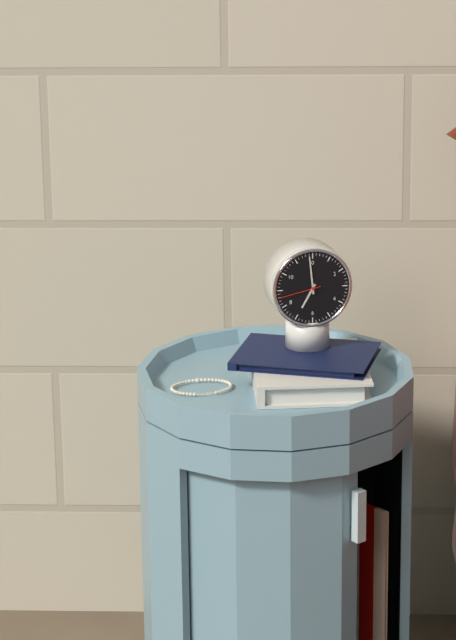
6:59
